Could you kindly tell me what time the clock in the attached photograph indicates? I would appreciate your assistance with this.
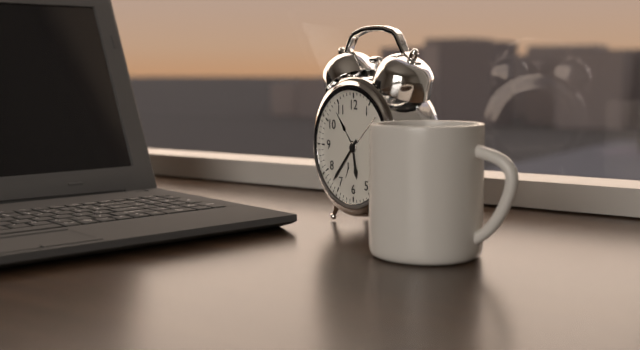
5:37
